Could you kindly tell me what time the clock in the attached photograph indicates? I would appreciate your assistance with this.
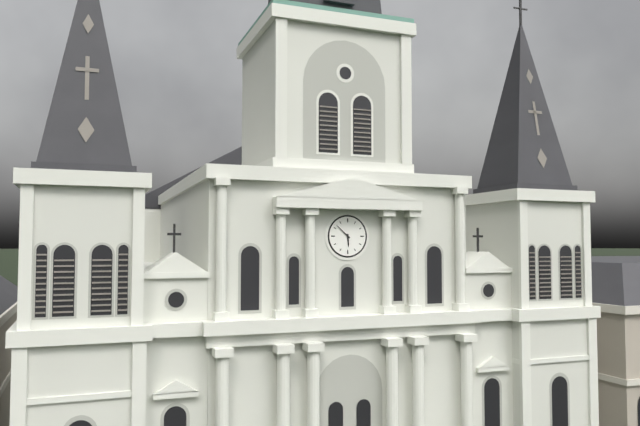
5:52
